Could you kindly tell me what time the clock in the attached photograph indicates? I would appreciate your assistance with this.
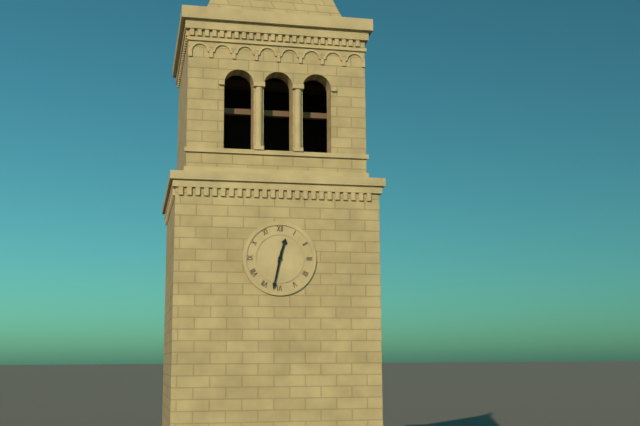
12:32
